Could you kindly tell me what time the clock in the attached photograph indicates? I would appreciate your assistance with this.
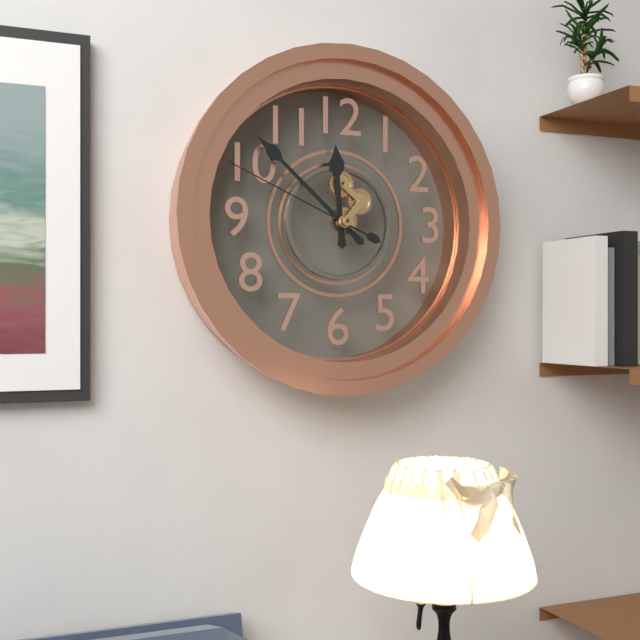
11:52:49
